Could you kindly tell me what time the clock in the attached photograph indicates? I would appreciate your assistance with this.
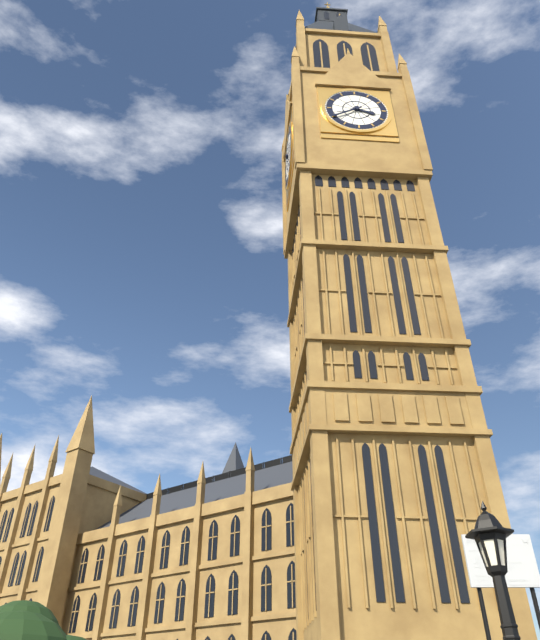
3:40
